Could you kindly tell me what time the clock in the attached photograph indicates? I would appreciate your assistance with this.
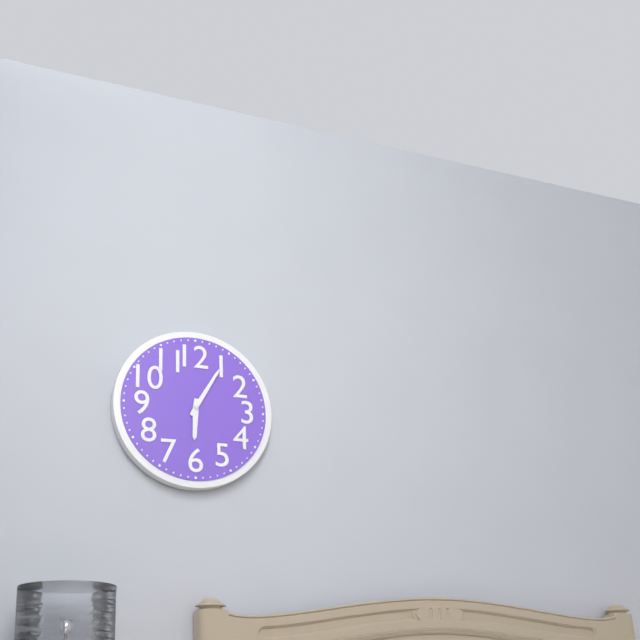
6:05
